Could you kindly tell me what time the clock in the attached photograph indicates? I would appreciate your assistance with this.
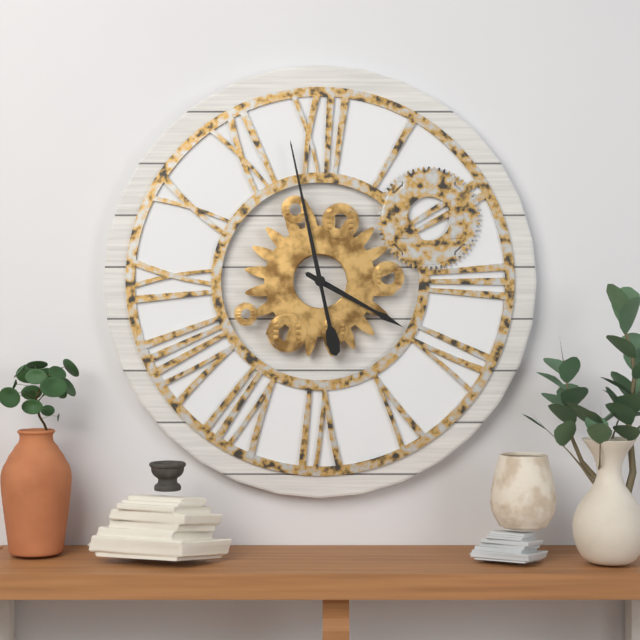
3:58
